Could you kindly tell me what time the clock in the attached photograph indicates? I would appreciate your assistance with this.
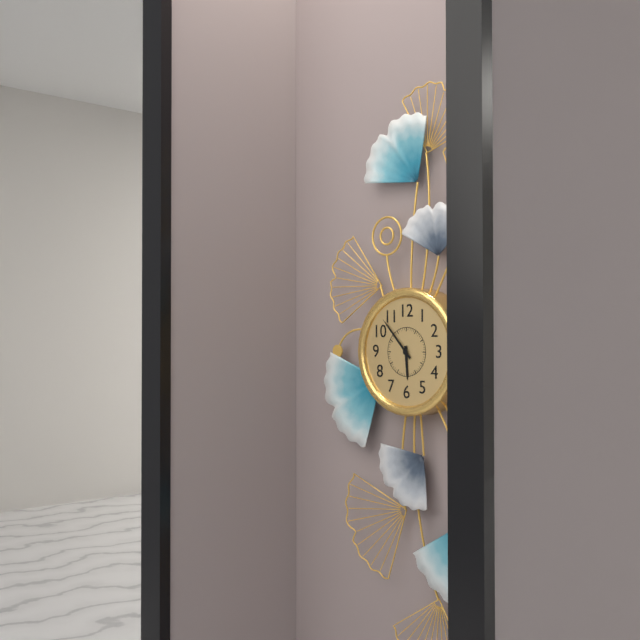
5:53
